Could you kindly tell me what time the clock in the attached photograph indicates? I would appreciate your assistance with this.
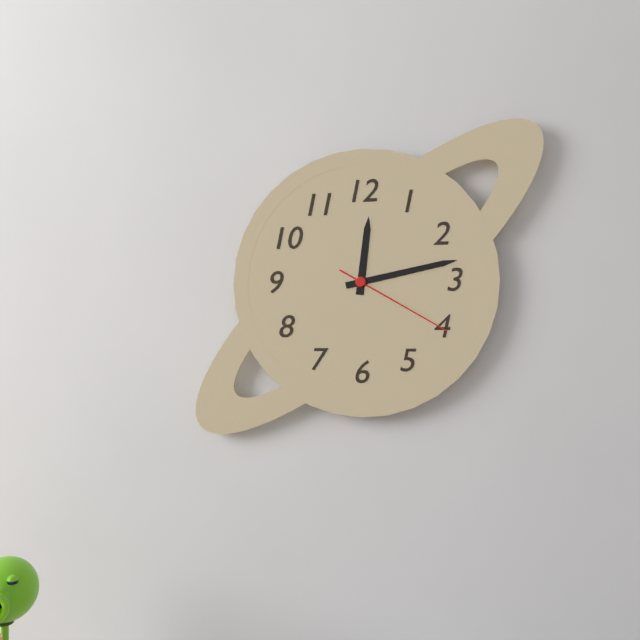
12:13:20
